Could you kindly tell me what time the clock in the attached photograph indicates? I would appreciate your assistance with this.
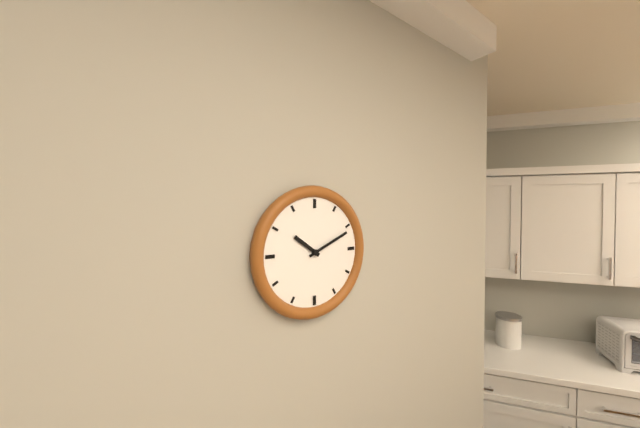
10:11
